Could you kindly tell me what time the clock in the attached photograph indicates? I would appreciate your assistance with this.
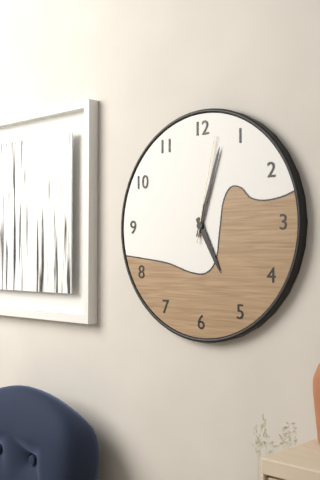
5:03:02
